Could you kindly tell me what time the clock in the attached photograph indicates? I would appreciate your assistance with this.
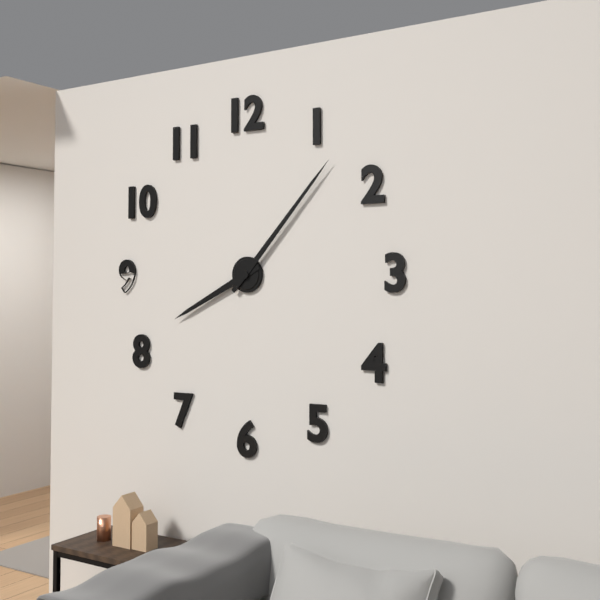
8:07
